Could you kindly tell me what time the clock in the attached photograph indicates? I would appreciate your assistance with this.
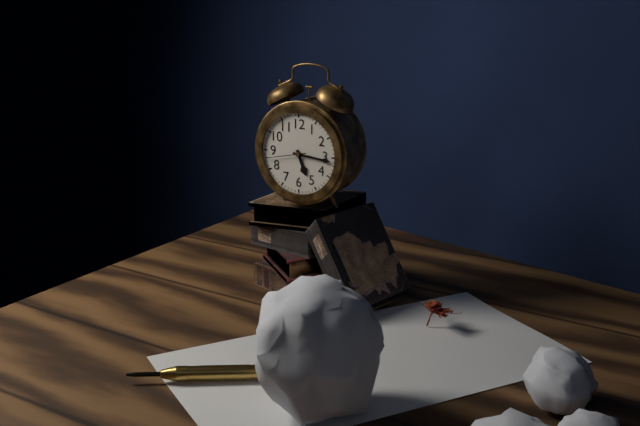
5:16
